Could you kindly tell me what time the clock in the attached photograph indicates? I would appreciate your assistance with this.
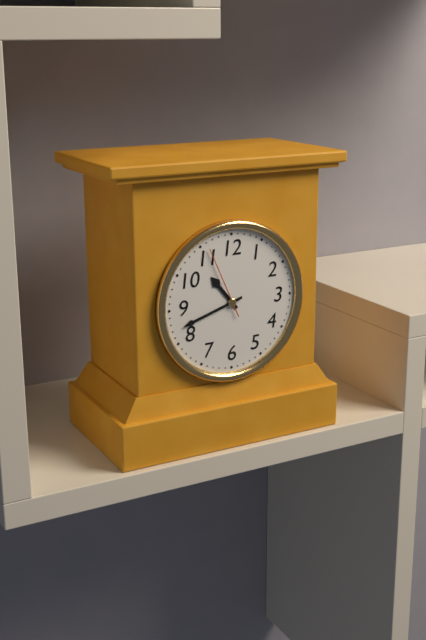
10:42:56
